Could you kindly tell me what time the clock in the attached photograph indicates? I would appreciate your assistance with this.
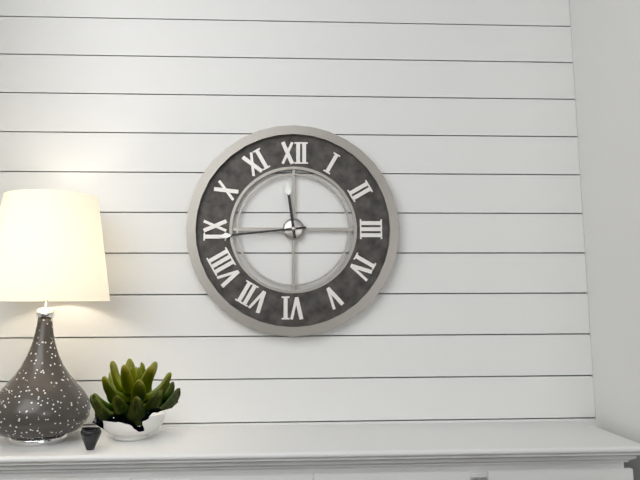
11:44
